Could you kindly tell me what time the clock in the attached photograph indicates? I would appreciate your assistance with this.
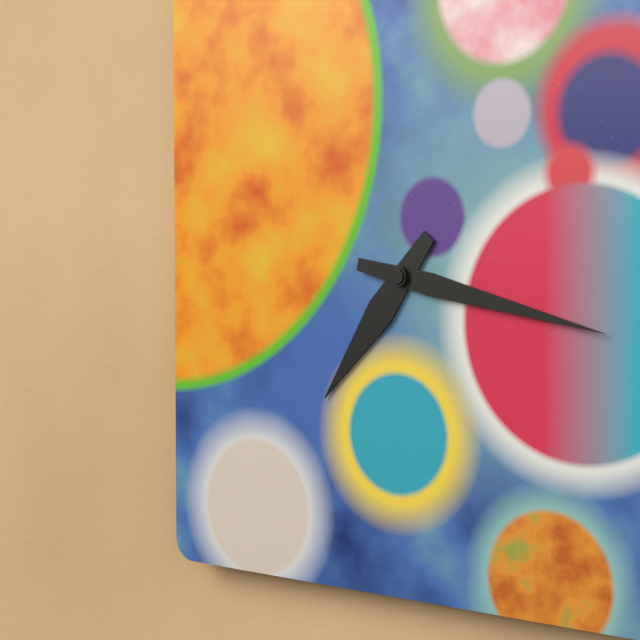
7:17
